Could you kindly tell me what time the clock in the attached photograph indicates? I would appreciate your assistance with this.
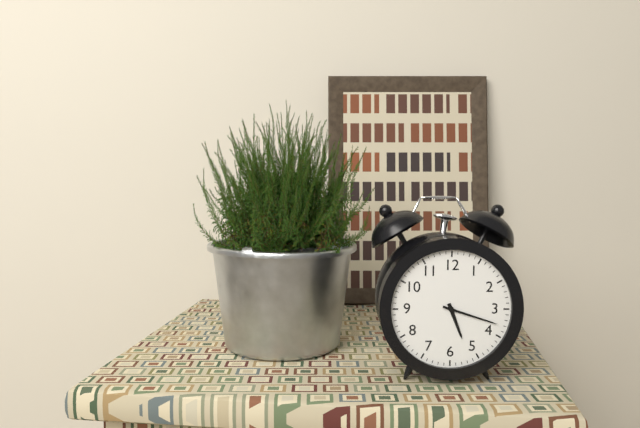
5:18
